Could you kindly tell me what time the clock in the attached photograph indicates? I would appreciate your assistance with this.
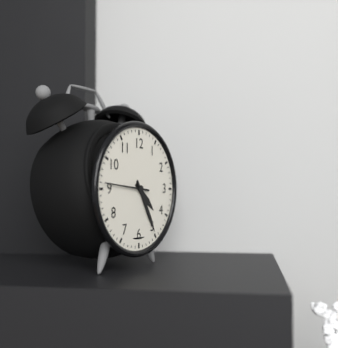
4:25
